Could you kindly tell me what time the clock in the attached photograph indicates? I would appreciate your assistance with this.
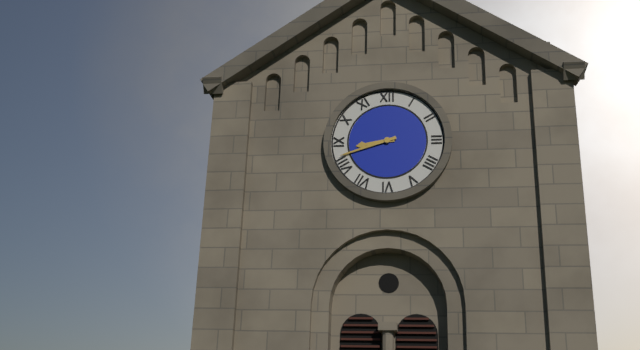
8:42
